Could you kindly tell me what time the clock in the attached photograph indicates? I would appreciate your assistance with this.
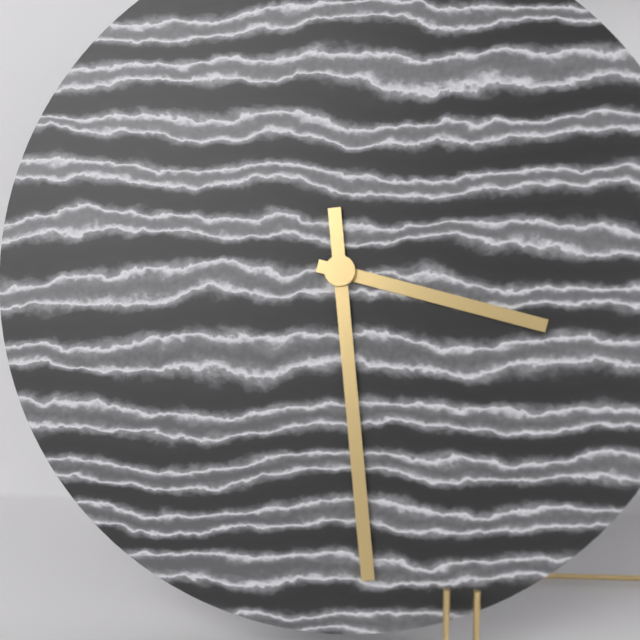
3:29
